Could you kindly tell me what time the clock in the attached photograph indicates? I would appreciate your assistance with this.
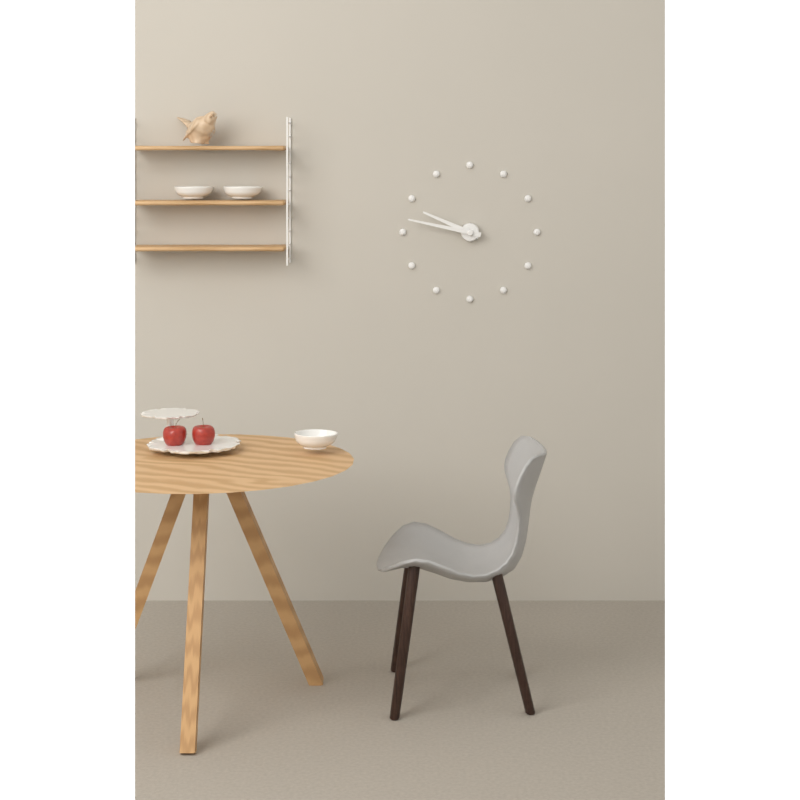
9:47
